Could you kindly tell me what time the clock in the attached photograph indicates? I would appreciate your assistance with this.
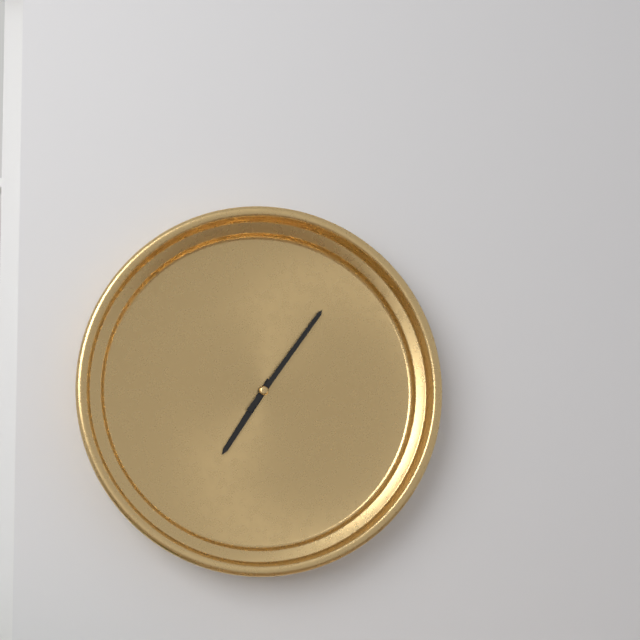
7:06
